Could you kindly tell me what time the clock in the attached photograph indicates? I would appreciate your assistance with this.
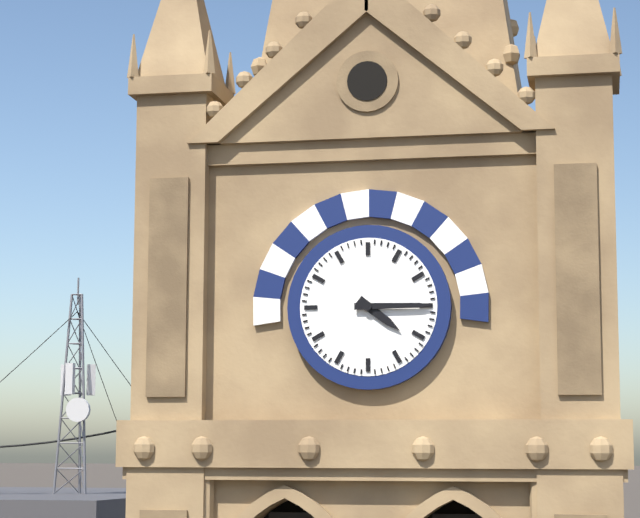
4:15
